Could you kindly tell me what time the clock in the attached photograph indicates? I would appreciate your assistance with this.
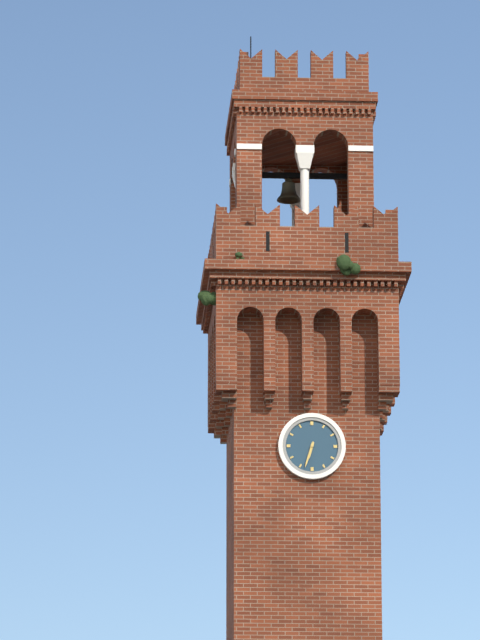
6:33
